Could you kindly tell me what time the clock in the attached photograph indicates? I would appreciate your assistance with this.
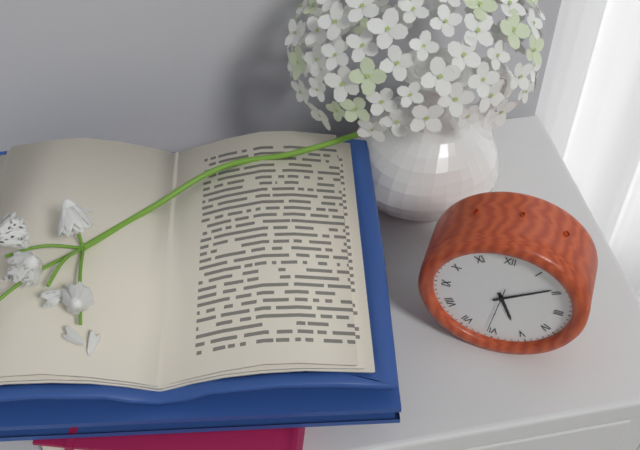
5:09
